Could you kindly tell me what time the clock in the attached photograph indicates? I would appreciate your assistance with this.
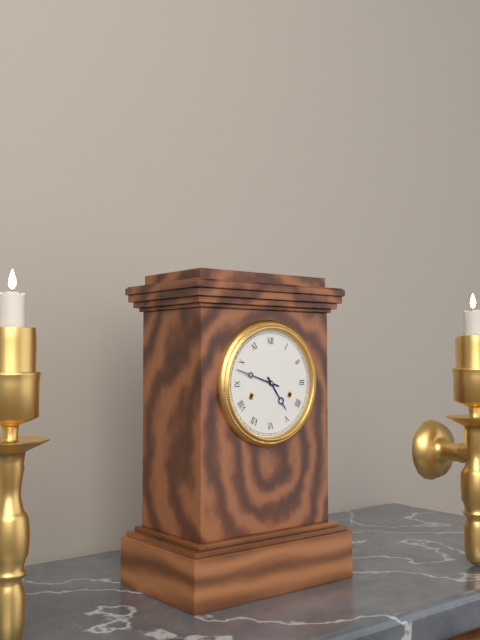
4:48
